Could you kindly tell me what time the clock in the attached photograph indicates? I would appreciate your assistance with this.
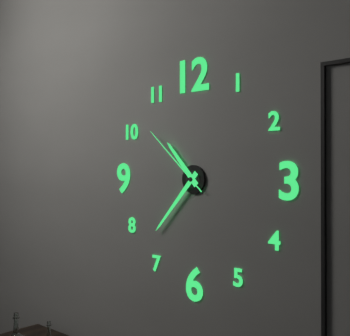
10:37:52
